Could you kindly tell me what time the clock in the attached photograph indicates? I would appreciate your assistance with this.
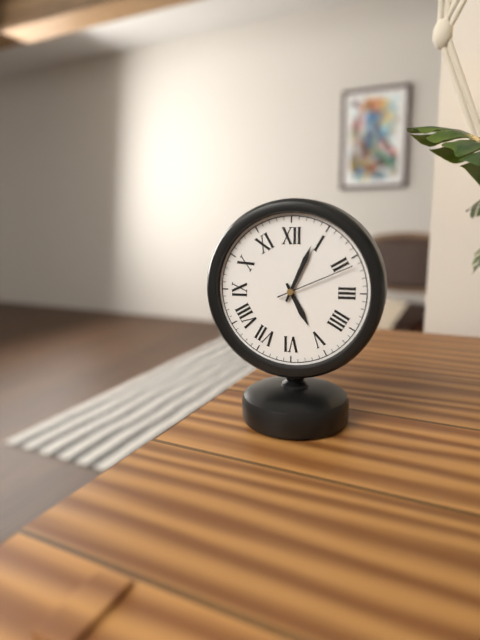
5:04:11
